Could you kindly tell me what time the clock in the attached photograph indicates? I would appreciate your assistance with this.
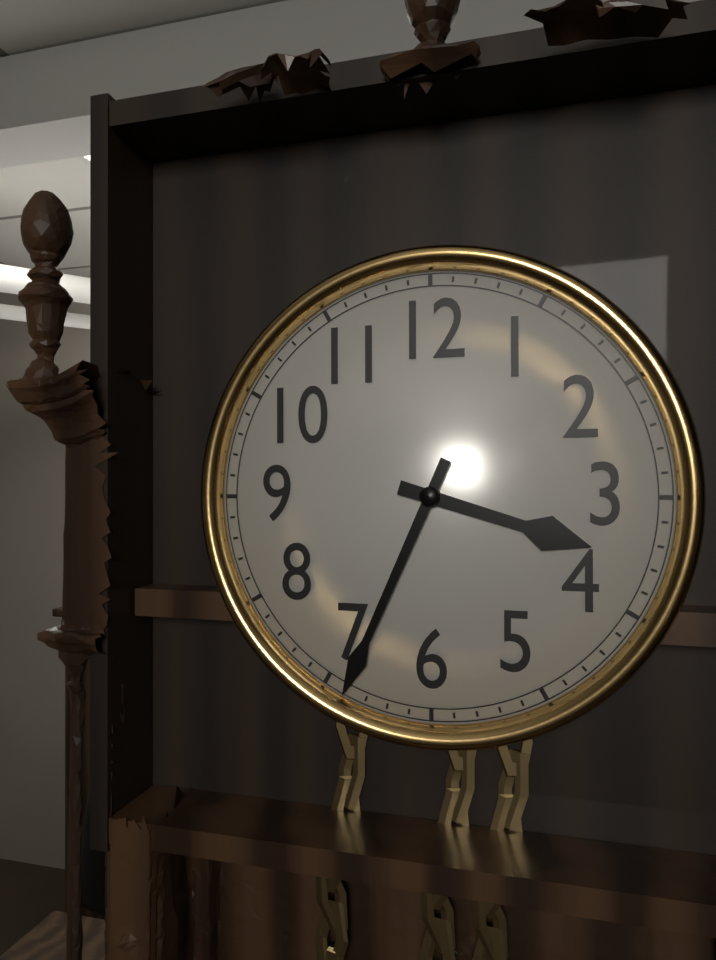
3:34
